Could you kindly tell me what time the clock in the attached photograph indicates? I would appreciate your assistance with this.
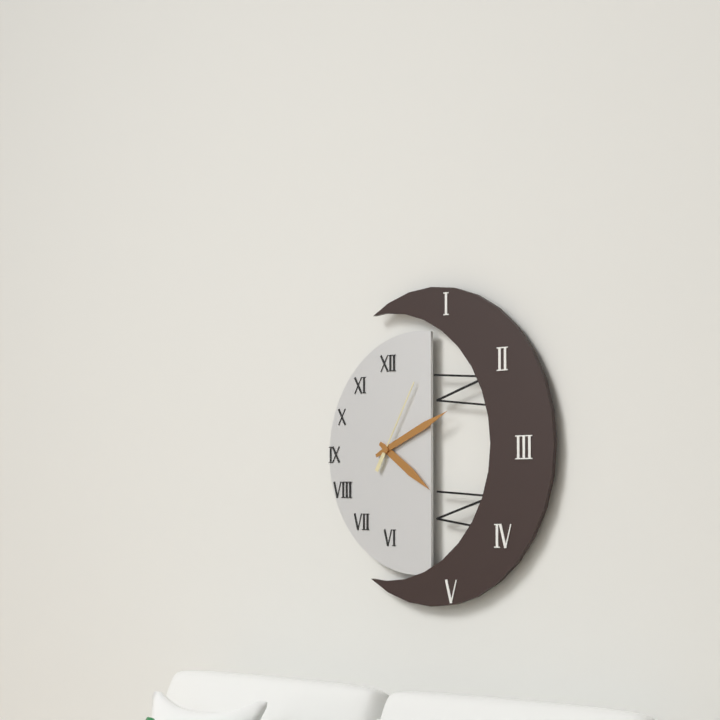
4:11:05
